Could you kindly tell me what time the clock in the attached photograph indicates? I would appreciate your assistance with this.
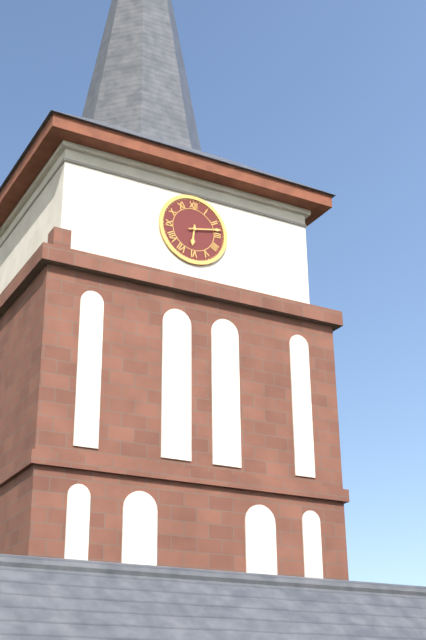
6:13
